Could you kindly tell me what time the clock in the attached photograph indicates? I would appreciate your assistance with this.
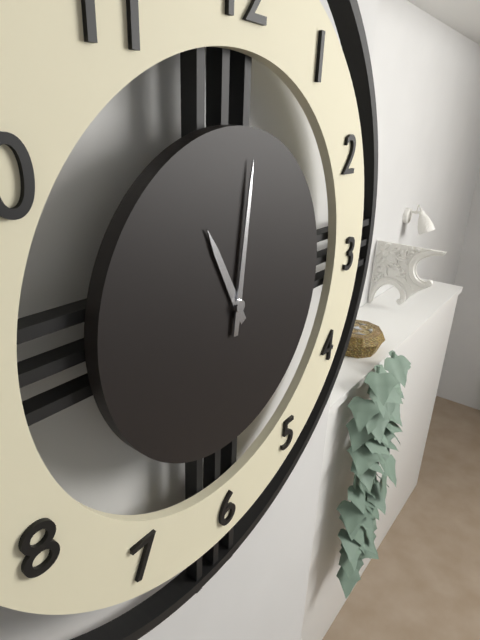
11:01
